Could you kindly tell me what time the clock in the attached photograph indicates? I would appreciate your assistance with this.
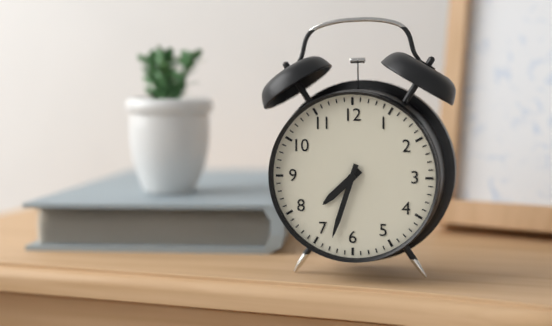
7:33
